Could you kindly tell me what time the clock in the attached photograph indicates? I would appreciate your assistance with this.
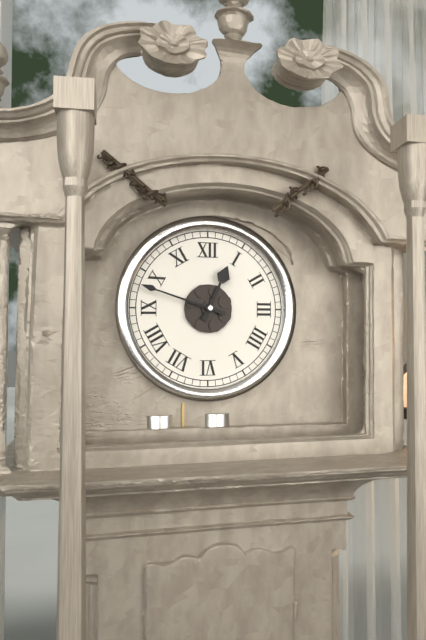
12:48
